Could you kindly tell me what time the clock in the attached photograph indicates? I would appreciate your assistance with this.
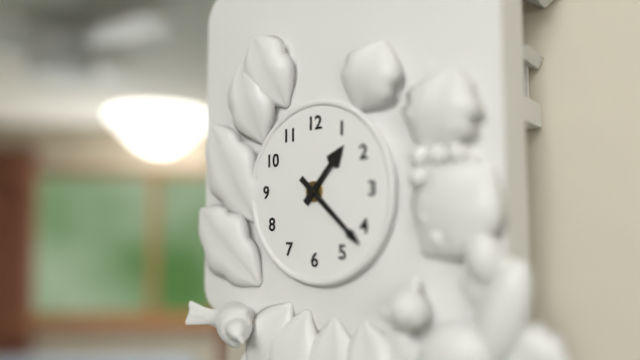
1:22
